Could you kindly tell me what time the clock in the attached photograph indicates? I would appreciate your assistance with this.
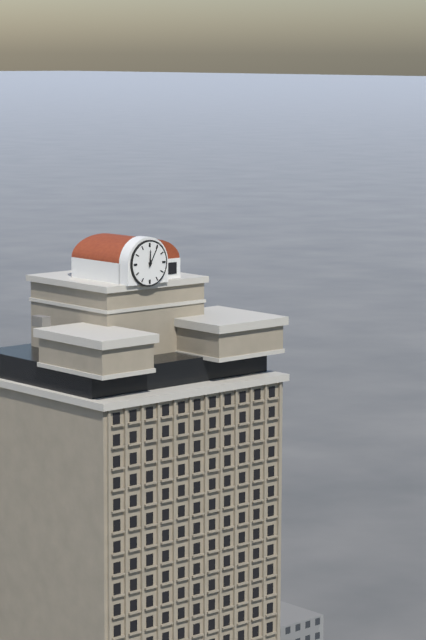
12:05
